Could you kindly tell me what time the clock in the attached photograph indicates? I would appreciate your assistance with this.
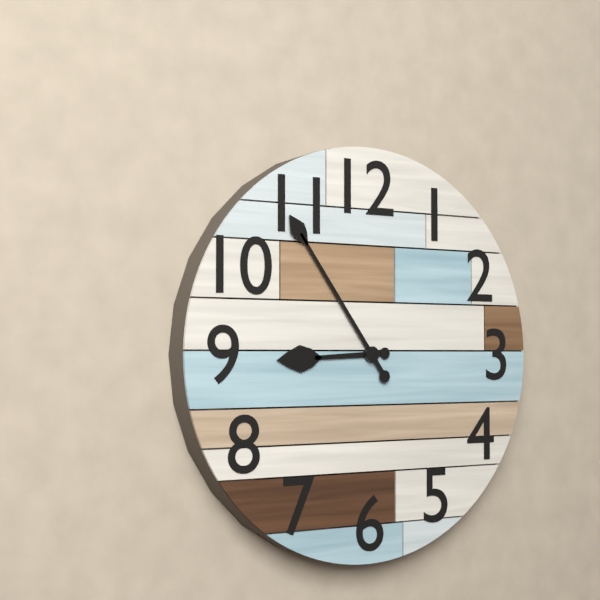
8:54
